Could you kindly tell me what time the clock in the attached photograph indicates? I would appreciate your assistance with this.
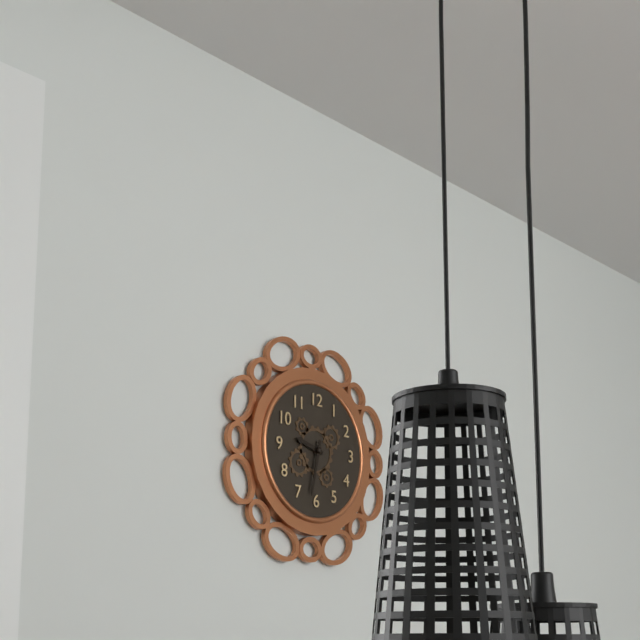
9:32
